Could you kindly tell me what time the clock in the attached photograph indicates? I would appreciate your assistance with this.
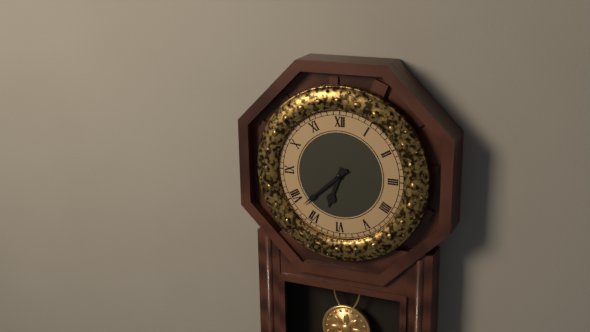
6:38
